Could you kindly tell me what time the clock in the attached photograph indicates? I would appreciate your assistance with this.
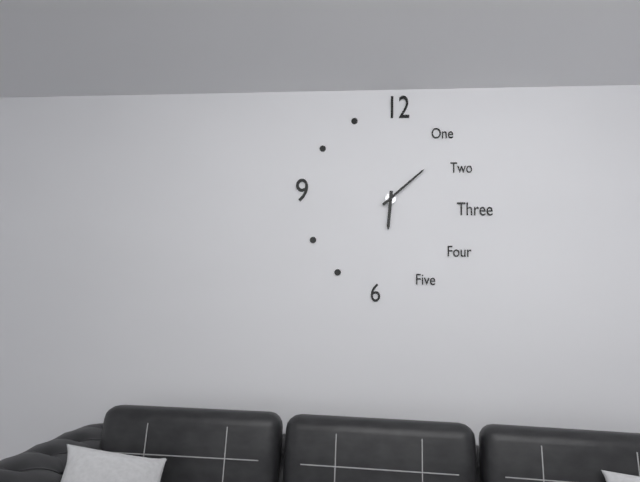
6:08
